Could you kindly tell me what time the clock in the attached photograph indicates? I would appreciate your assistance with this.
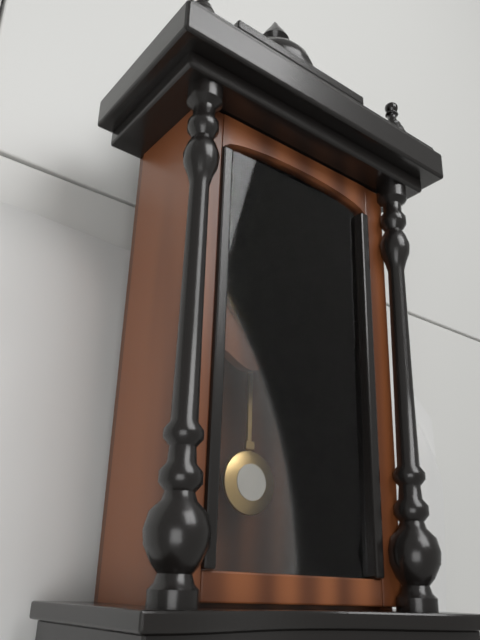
8:25
